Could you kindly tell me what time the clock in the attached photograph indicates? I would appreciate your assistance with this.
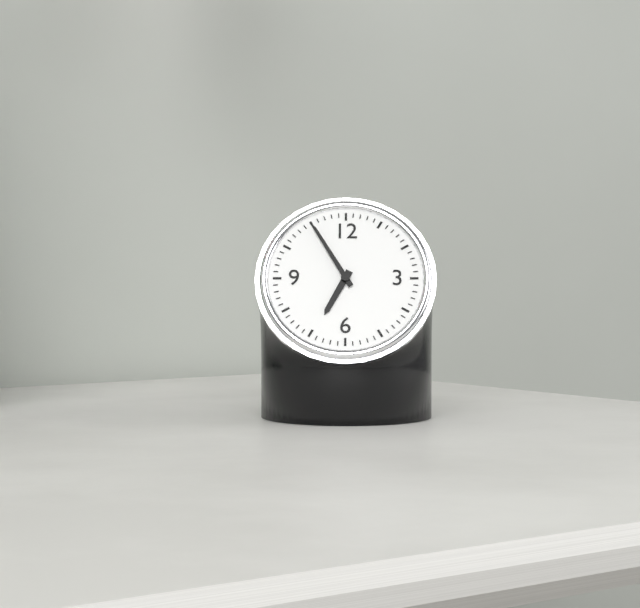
6:55
